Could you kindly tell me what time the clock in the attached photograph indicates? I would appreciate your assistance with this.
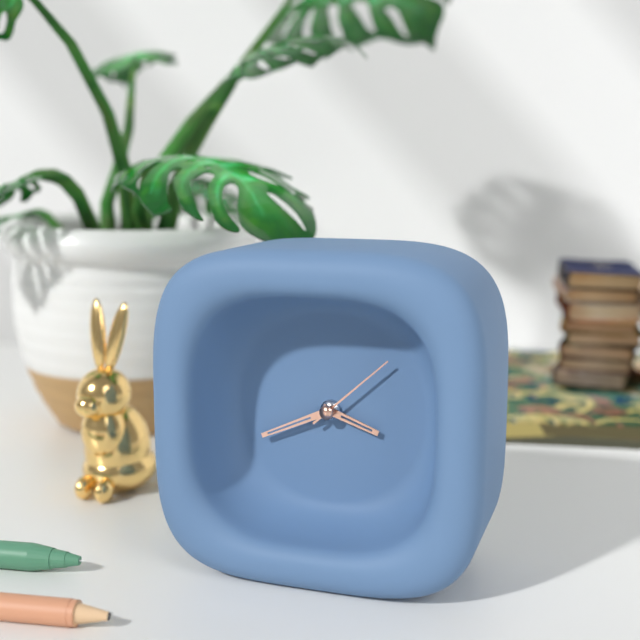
3:41:08
